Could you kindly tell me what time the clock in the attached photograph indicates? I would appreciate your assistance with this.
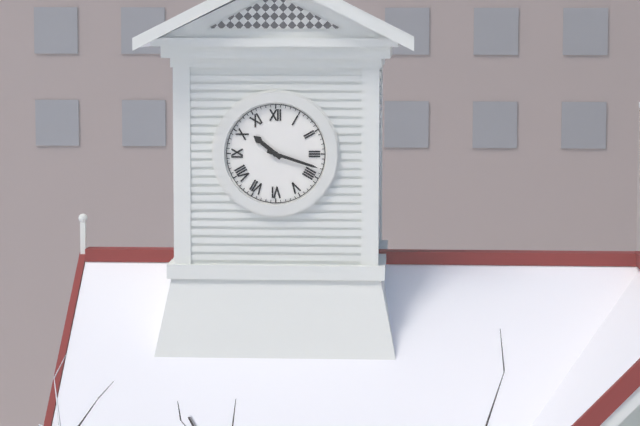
10:18
